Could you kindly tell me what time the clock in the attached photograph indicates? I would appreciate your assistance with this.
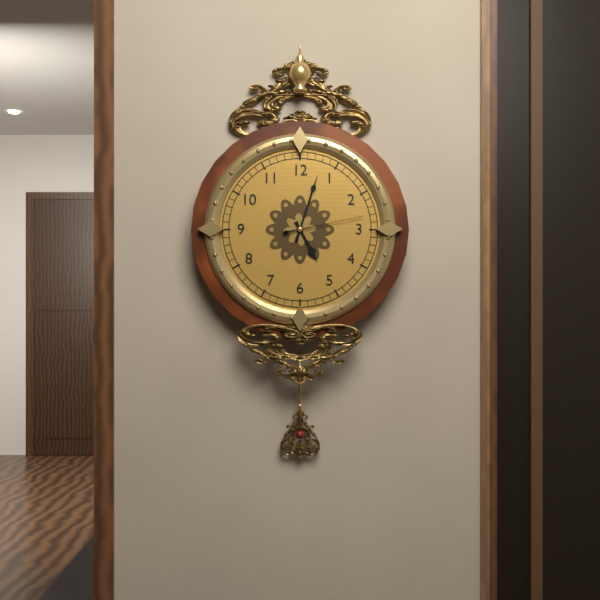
5:03:13
